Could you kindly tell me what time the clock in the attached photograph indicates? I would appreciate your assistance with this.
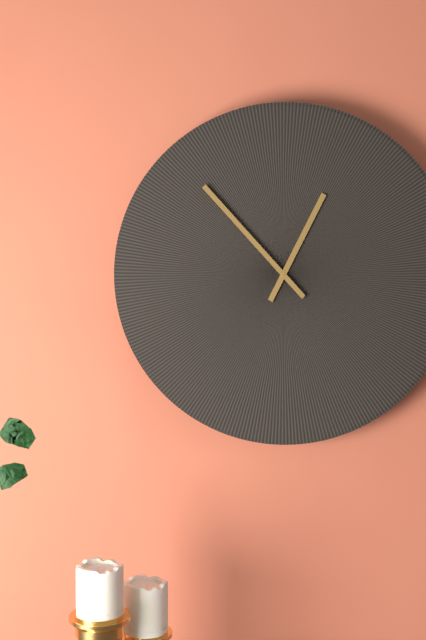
12:53
